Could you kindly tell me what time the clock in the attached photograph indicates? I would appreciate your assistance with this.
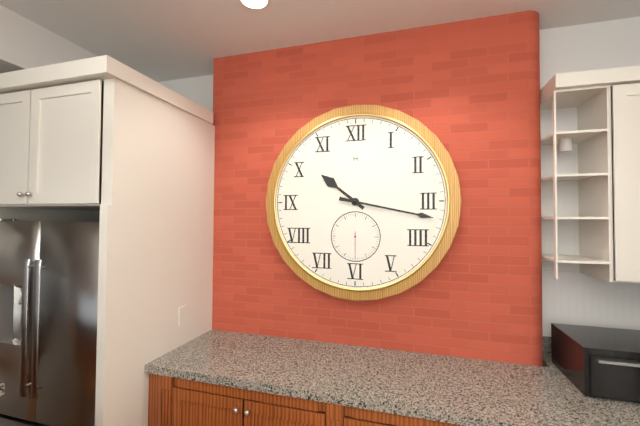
10:17
